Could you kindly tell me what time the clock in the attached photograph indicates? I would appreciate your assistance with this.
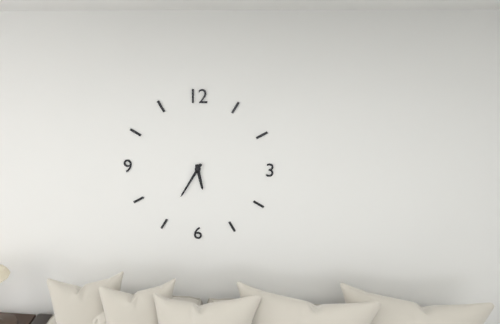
5:35
